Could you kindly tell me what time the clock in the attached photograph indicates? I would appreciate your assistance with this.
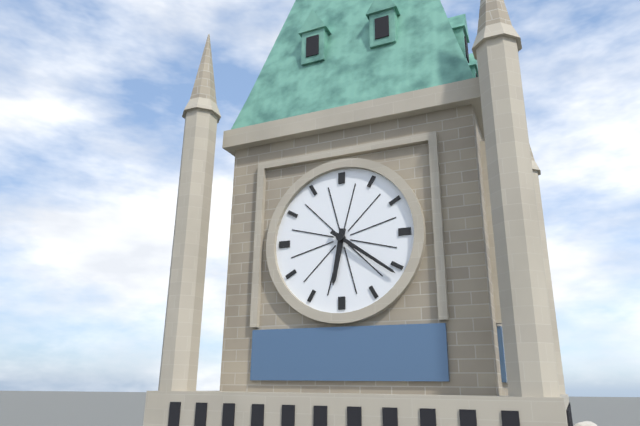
6:21
